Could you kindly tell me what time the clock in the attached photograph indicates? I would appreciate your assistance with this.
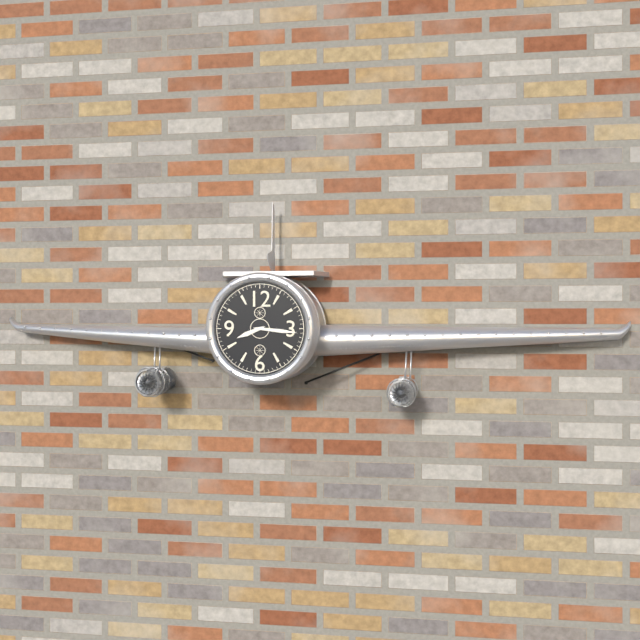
8:16
